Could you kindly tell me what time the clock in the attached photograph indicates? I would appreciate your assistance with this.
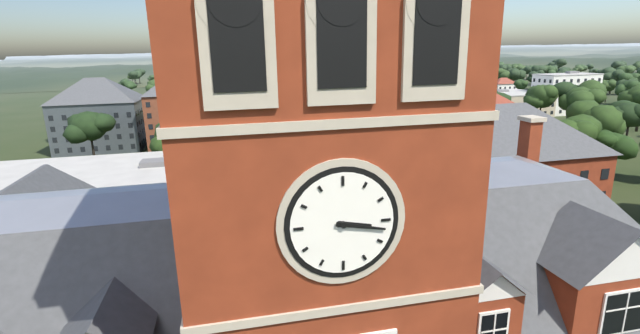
3:17
